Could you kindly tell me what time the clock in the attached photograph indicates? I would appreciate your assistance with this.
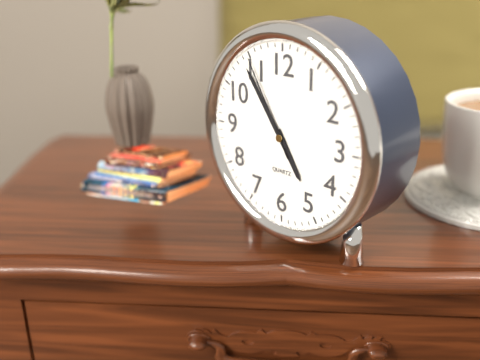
4:54:55
